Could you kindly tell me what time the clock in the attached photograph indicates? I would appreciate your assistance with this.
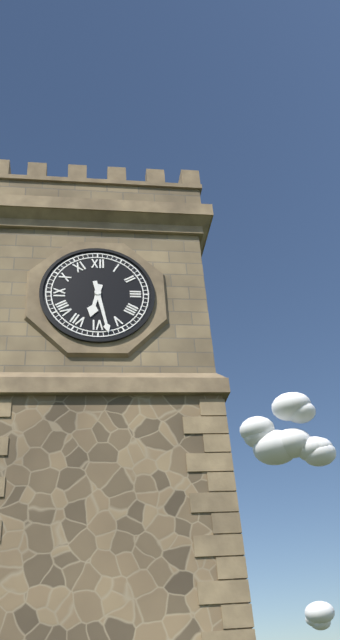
6:28
